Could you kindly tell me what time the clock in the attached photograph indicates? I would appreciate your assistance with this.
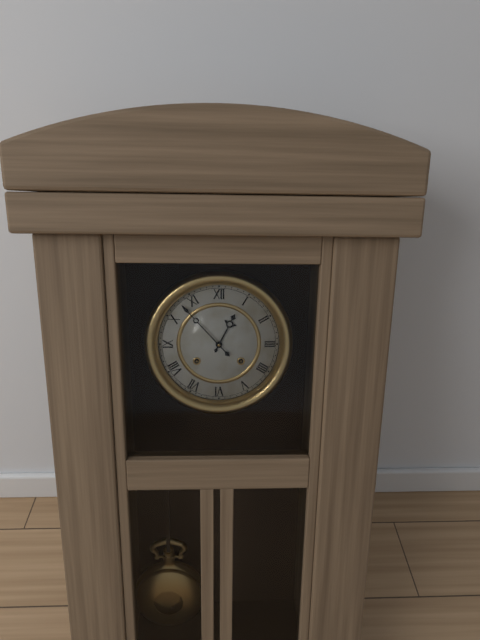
12:53
